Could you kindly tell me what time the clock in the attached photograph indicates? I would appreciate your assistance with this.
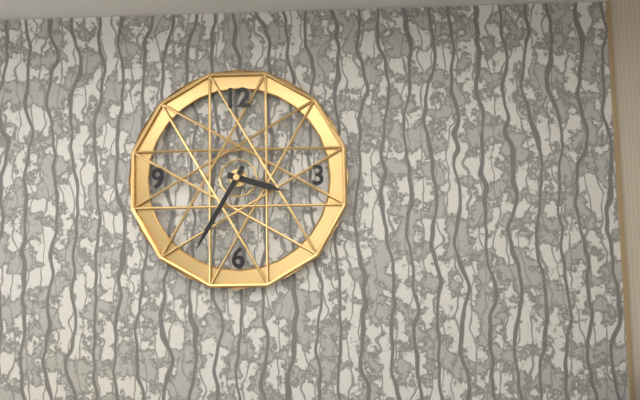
3:35
